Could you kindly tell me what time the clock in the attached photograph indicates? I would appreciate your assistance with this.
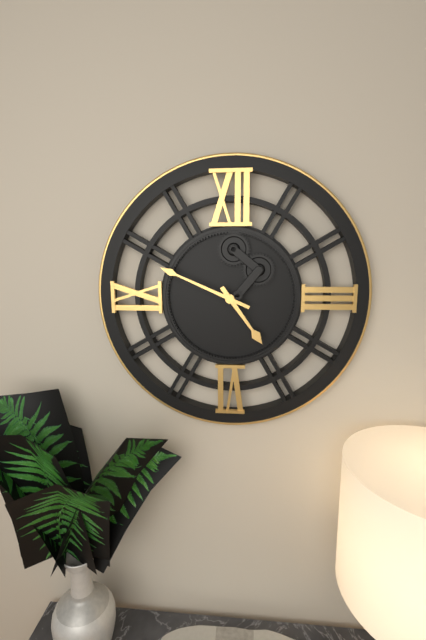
4:49
